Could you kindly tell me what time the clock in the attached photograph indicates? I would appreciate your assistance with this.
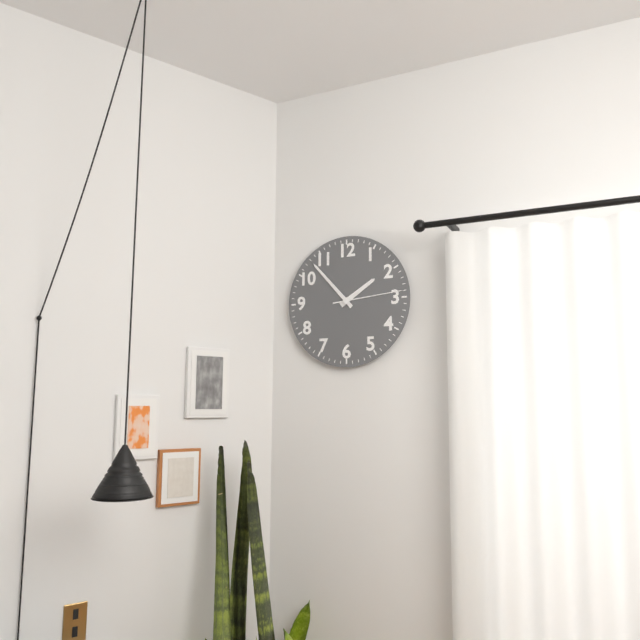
1:53:14
